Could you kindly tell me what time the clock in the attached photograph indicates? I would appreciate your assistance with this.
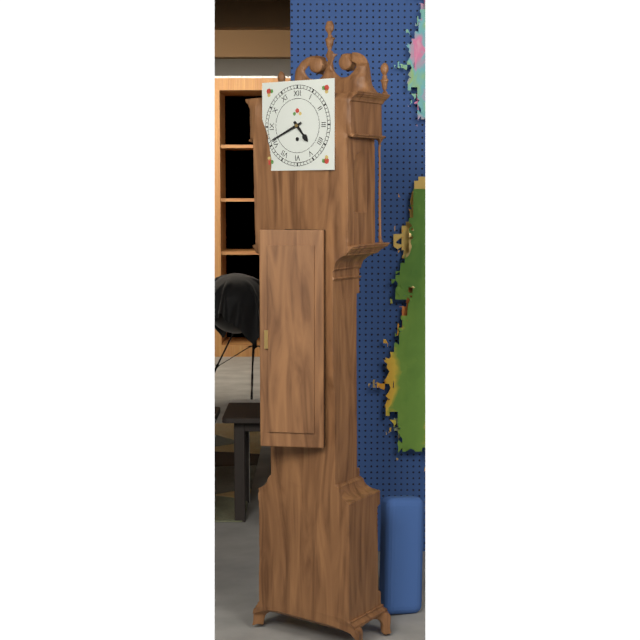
4:41
